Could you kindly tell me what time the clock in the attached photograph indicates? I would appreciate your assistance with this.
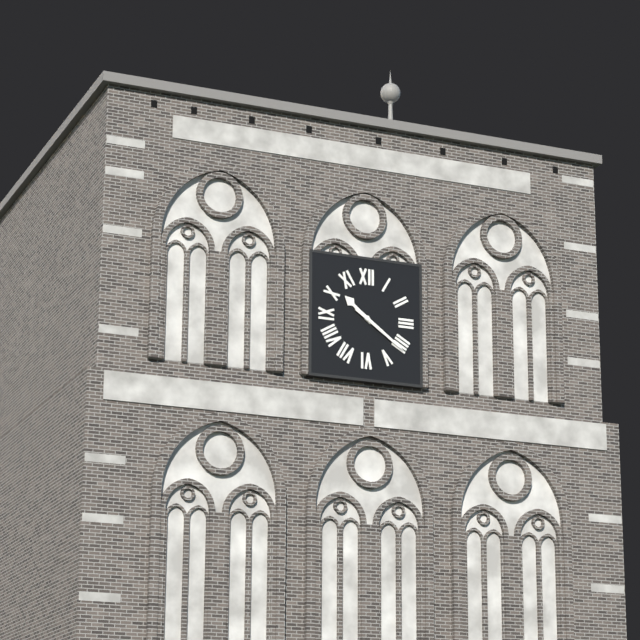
10:21
